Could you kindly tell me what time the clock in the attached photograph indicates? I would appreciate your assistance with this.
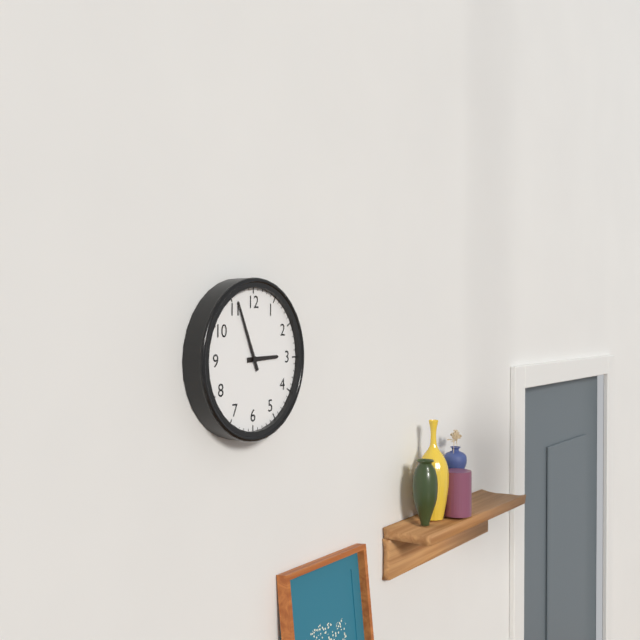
2:56
